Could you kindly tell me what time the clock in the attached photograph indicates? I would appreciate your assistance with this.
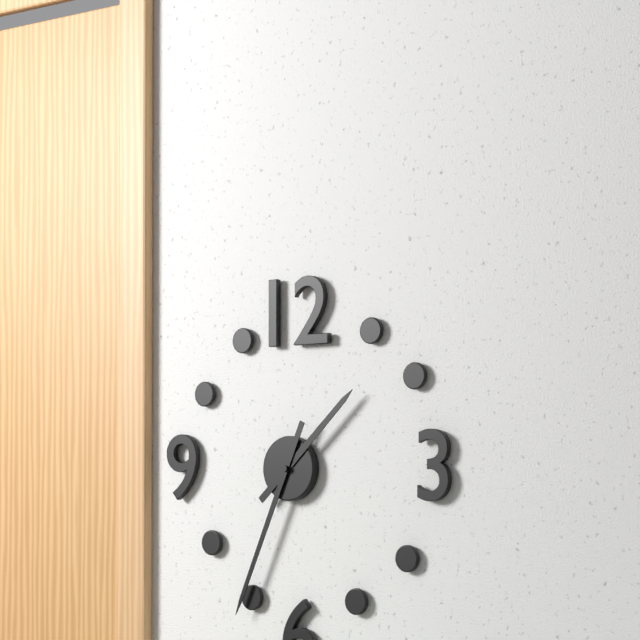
1:34
